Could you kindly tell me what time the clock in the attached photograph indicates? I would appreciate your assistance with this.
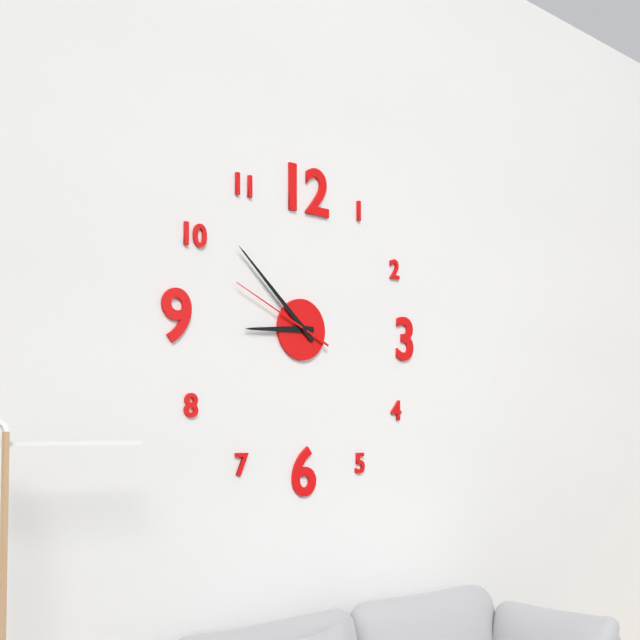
8:52:49
